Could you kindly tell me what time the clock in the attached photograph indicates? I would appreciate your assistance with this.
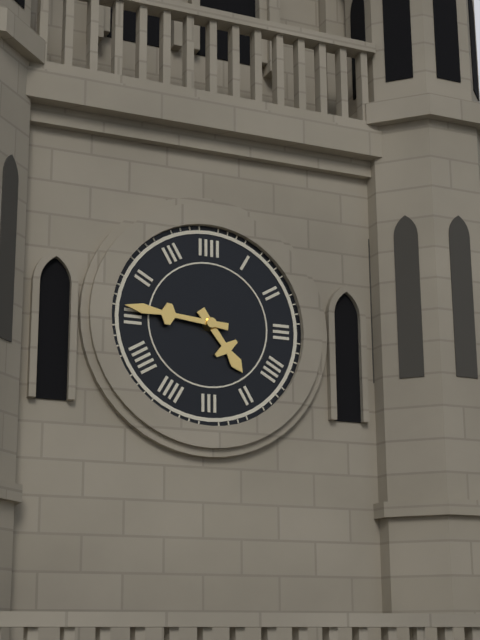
4:46
